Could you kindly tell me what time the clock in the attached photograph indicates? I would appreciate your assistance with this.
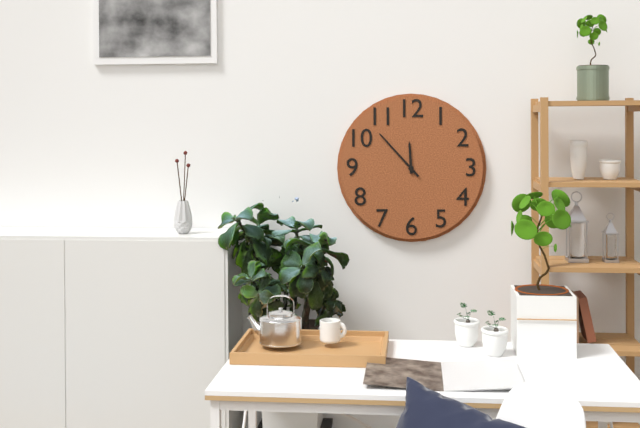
11:53
